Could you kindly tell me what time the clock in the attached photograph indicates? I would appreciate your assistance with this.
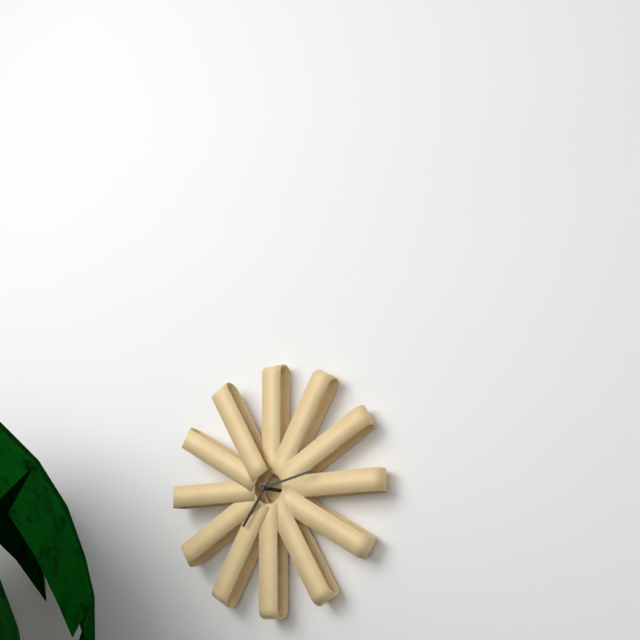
7:13
